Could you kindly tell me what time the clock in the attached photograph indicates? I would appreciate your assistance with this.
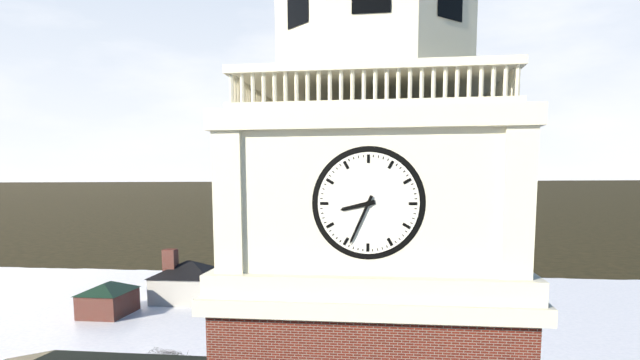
8:34
